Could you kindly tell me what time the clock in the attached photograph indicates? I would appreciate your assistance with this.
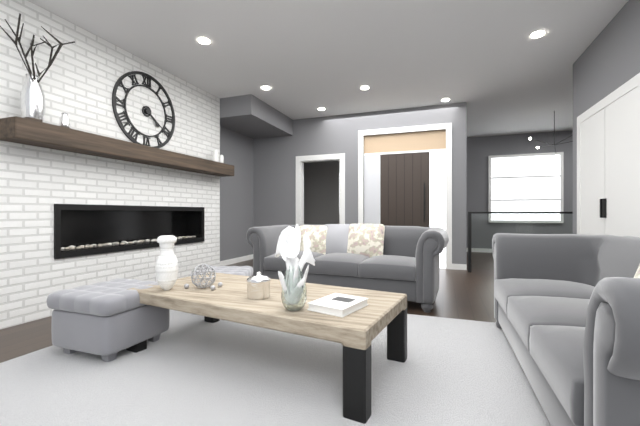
4:21
